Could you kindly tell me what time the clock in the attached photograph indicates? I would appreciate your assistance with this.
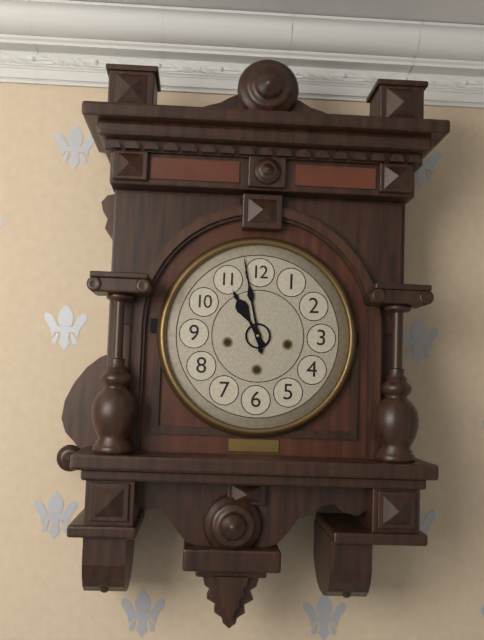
10:58
